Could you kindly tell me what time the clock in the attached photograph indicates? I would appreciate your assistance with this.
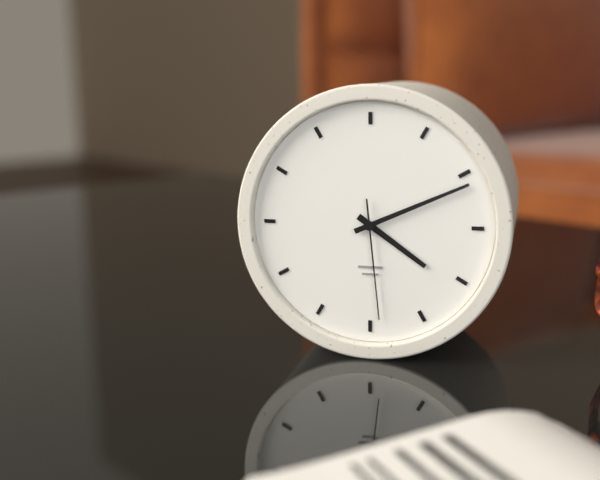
4:11:29
